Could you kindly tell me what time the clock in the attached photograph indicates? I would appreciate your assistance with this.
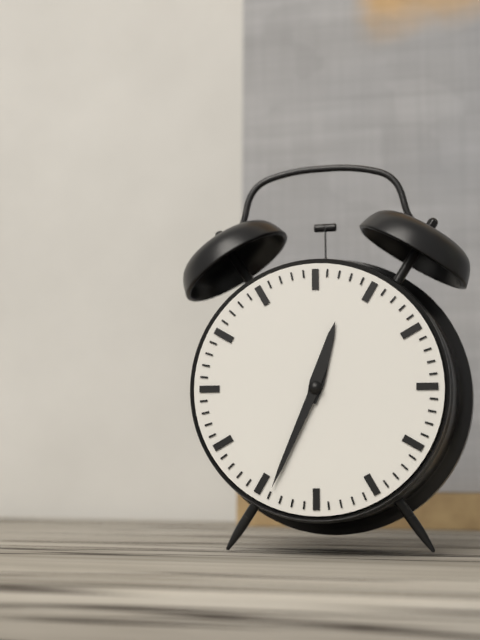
12:34
